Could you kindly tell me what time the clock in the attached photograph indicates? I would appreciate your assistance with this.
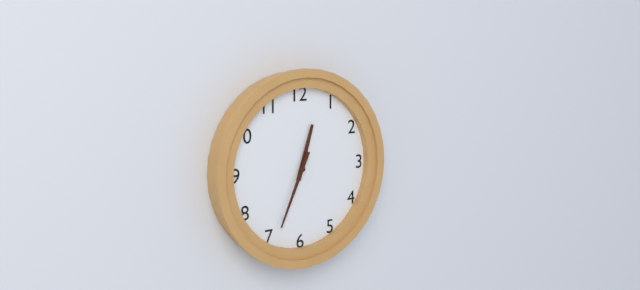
12:34
